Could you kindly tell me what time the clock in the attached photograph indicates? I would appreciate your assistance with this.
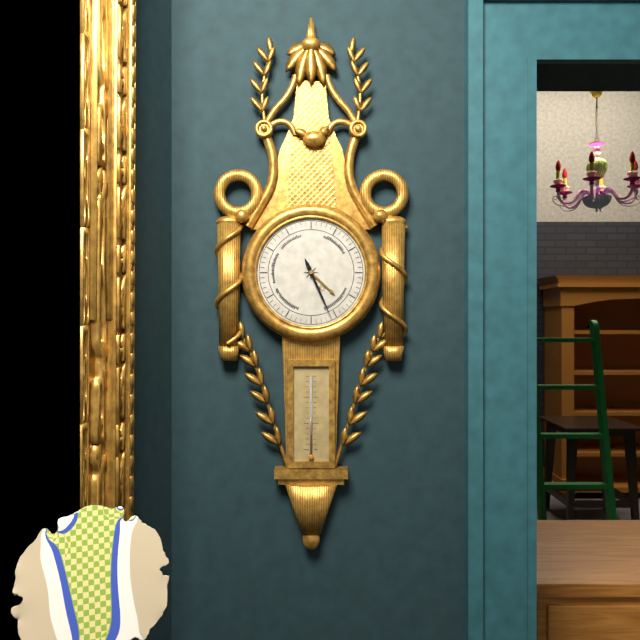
4:26
